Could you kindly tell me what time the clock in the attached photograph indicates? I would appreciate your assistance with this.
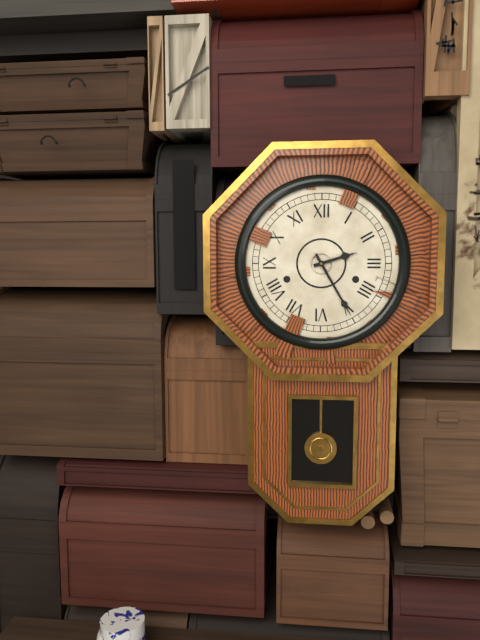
2:25
